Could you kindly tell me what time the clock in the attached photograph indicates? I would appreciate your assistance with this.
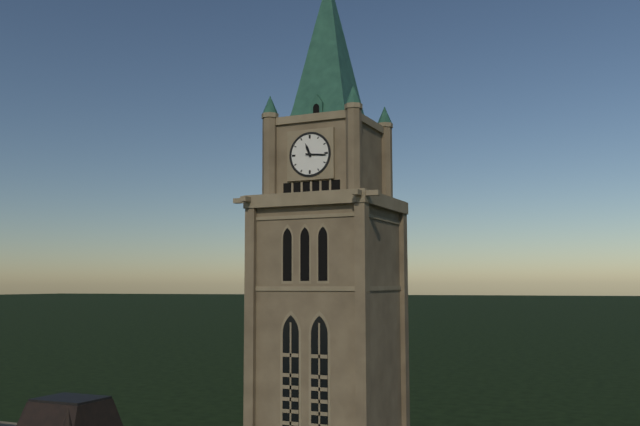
11:16
